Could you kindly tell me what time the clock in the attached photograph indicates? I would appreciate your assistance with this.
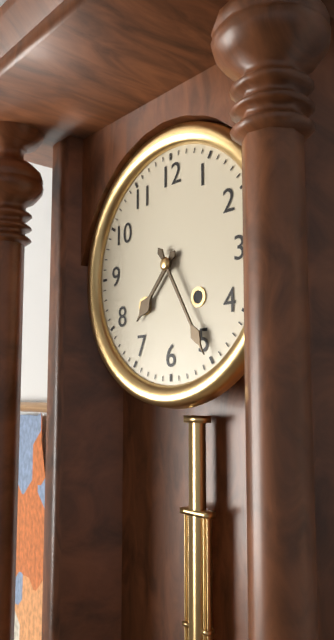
7:25
